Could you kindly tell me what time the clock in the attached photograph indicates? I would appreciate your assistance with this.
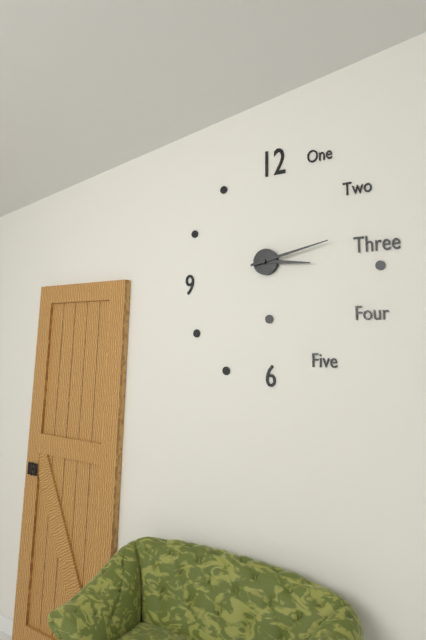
3:13
